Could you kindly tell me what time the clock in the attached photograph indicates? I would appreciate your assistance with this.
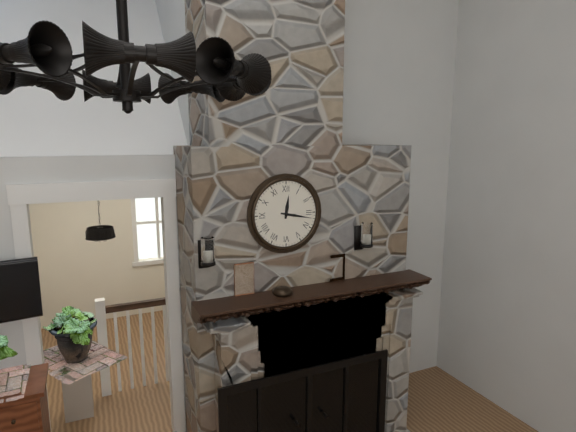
12:17
